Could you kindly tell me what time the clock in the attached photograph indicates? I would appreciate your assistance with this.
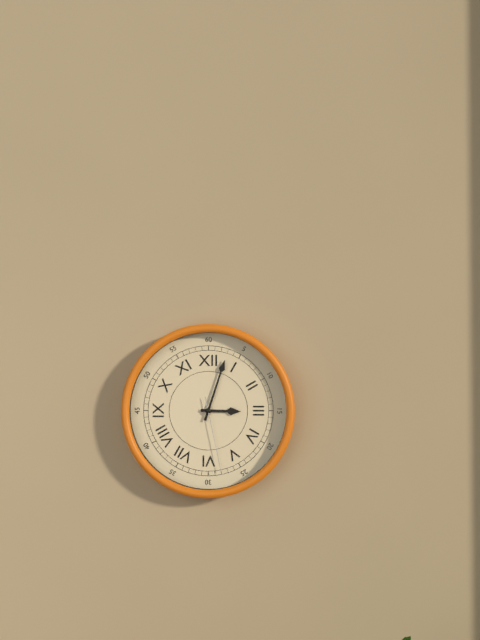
3:03:28
